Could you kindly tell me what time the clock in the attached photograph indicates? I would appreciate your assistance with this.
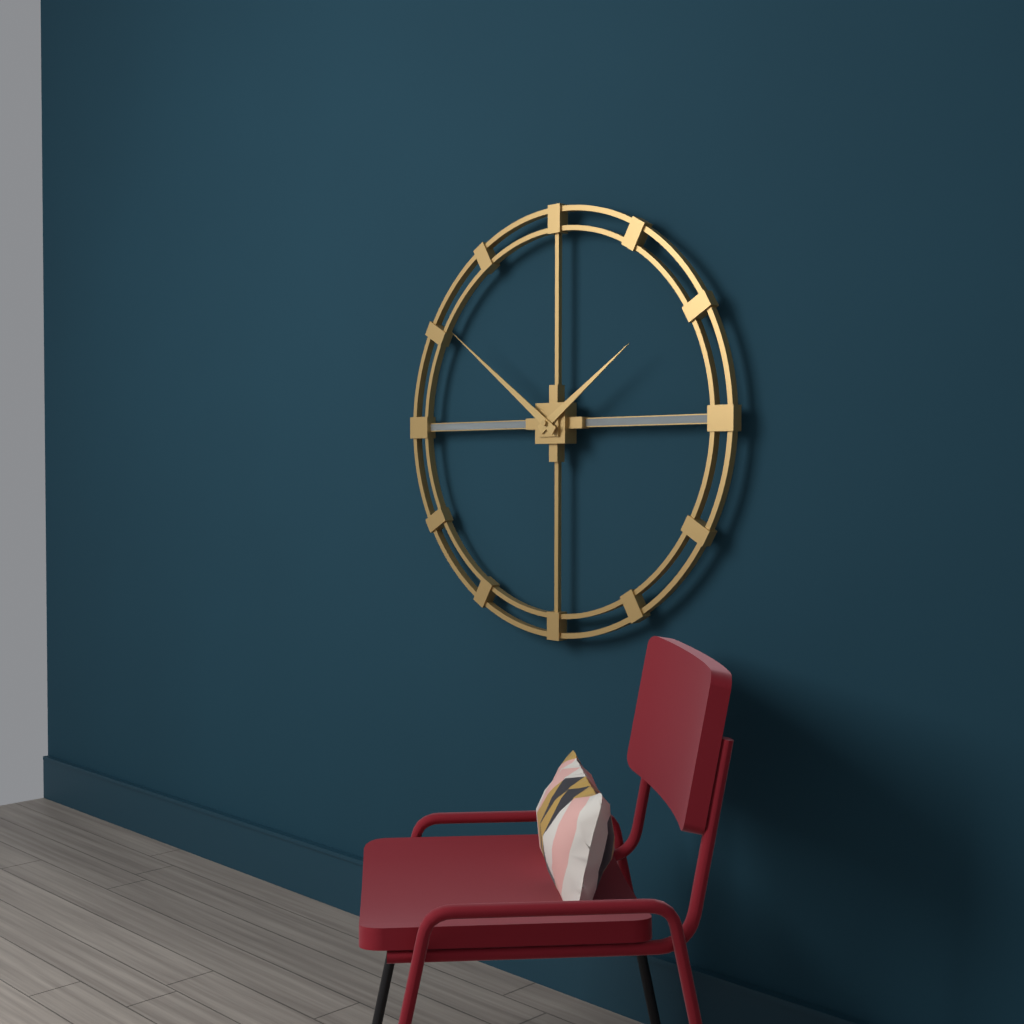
1:51
